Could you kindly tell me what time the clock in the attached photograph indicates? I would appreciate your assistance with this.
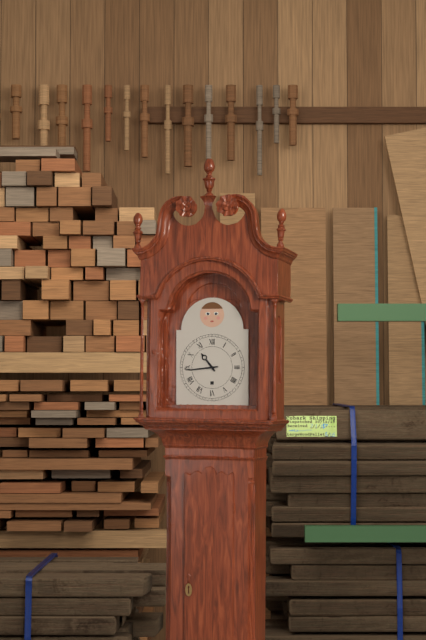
10:44
